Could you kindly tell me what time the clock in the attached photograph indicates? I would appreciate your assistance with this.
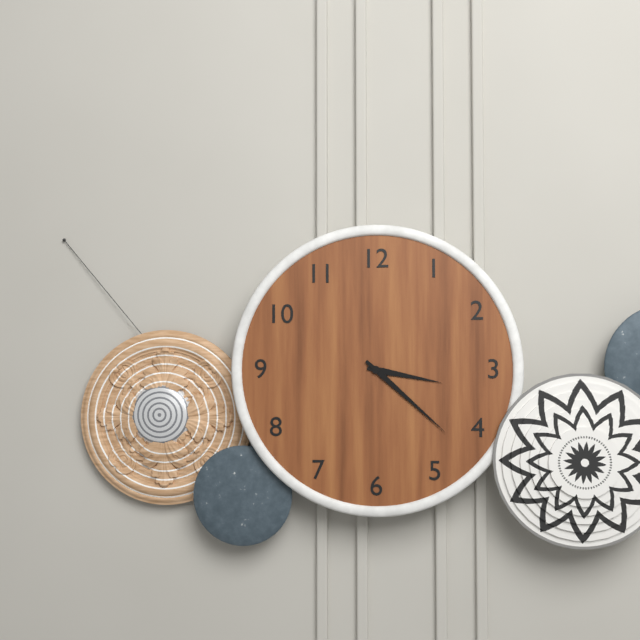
3:22
